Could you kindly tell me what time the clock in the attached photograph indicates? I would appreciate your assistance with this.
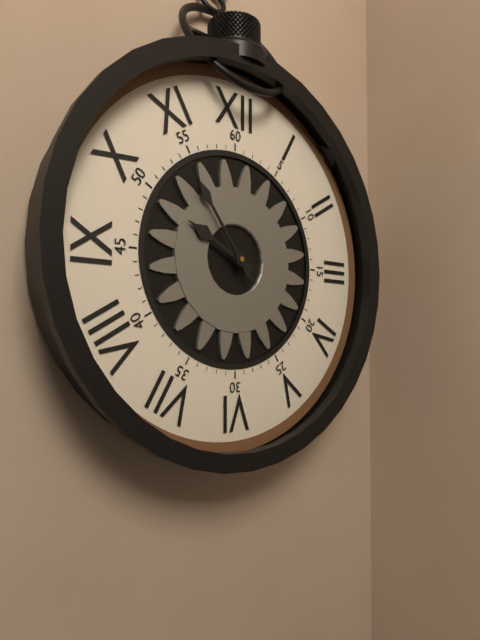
9:54
